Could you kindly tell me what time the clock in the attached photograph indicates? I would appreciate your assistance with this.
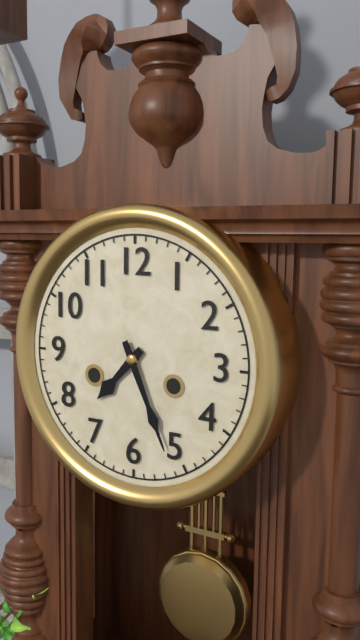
7:26
